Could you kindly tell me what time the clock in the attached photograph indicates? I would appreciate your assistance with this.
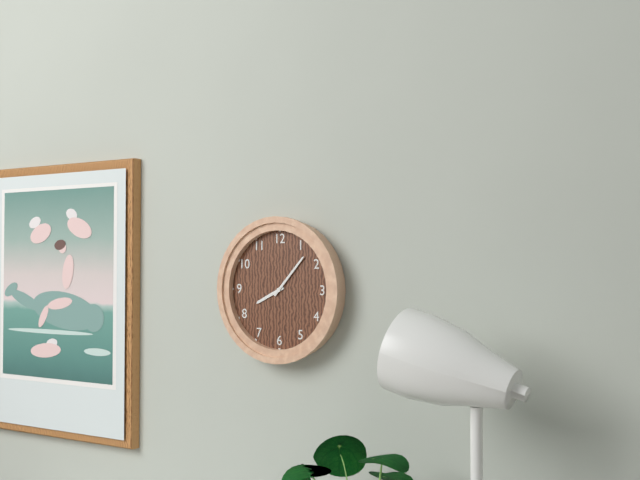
8:07
